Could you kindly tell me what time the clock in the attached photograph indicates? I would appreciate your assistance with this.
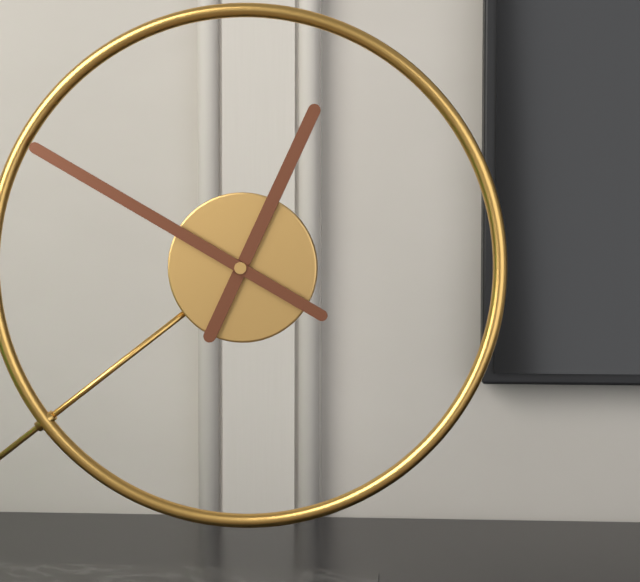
12:50
